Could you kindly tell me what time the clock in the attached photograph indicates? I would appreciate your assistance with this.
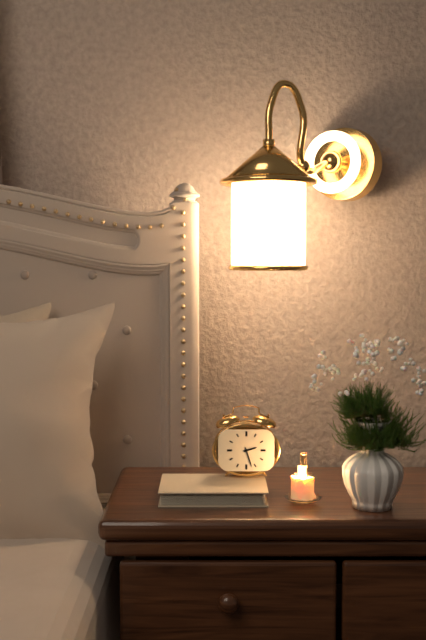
2:27
